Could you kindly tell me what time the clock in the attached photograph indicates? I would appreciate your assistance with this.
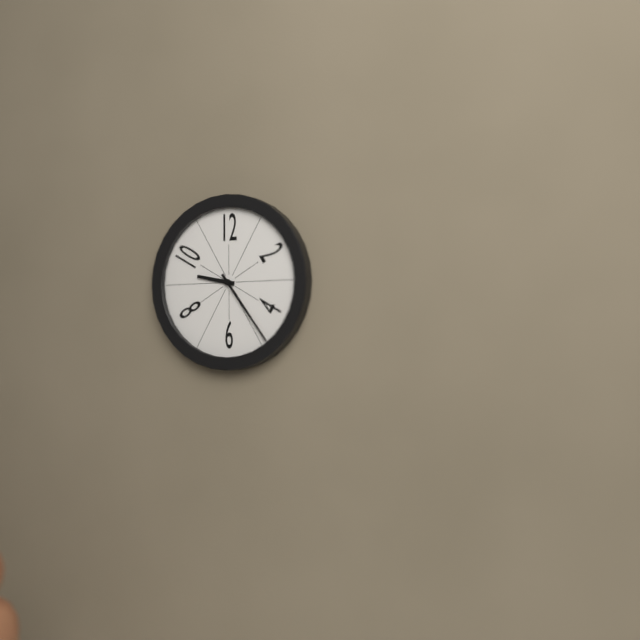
9:24
